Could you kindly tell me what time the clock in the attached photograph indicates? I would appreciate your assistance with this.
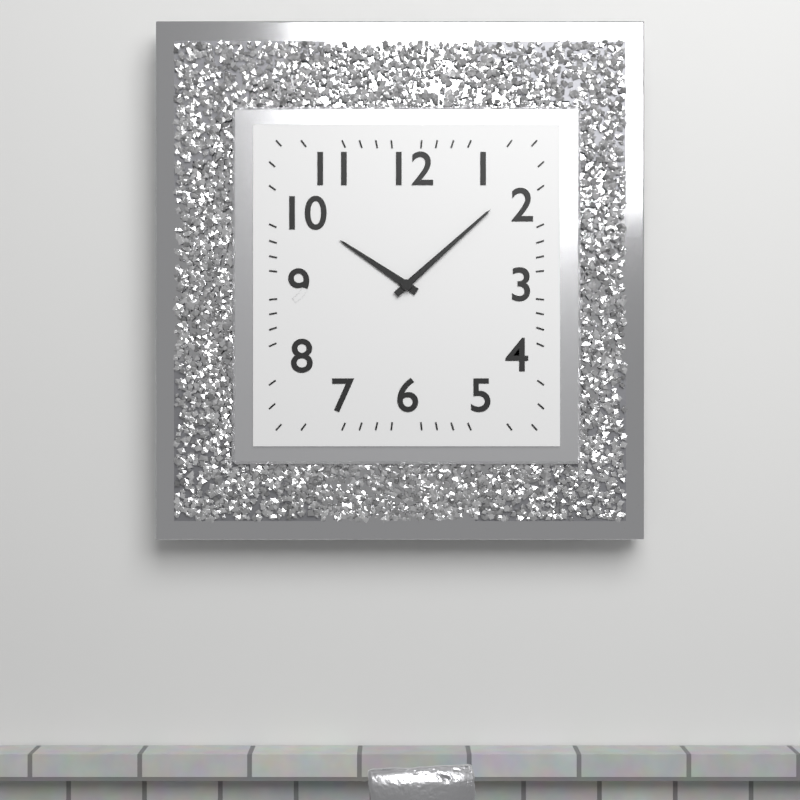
10:08
